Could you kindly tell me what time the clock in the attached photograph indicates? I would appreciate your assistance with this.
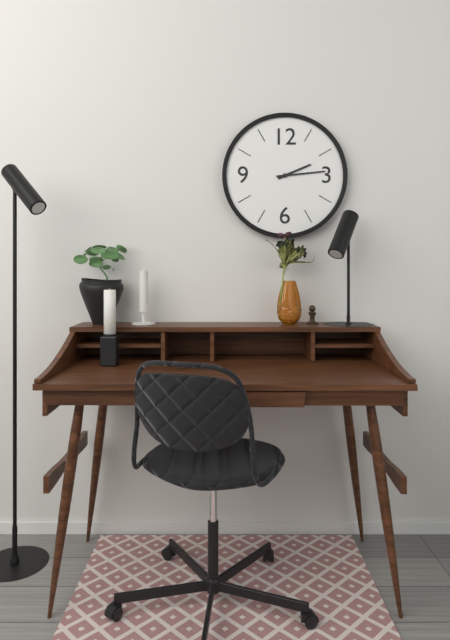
2:14
